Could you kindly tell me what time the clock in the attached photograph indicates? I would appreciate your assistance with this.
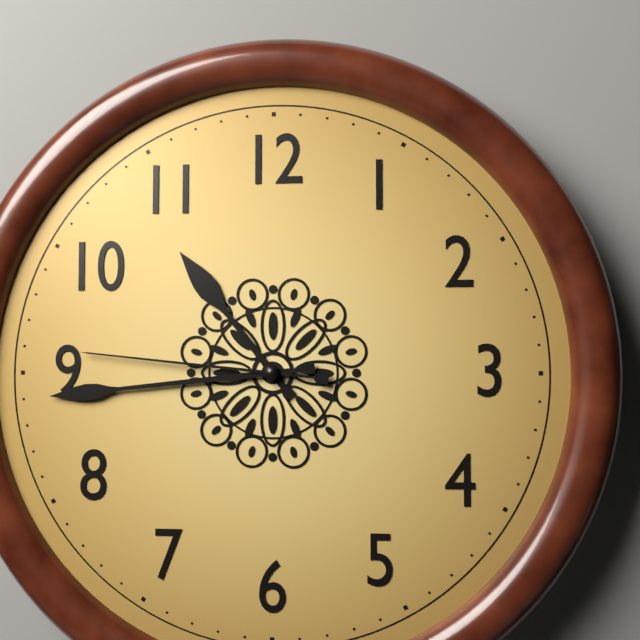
10:44:46
